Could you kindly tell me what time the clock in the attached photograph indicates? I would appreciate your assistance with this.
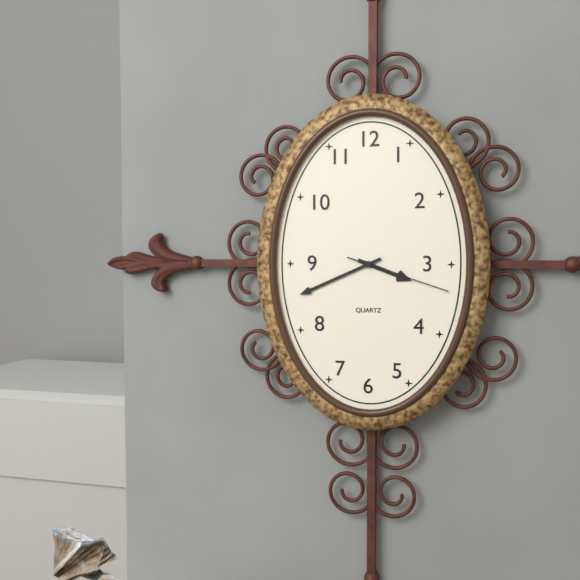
3:41:18
